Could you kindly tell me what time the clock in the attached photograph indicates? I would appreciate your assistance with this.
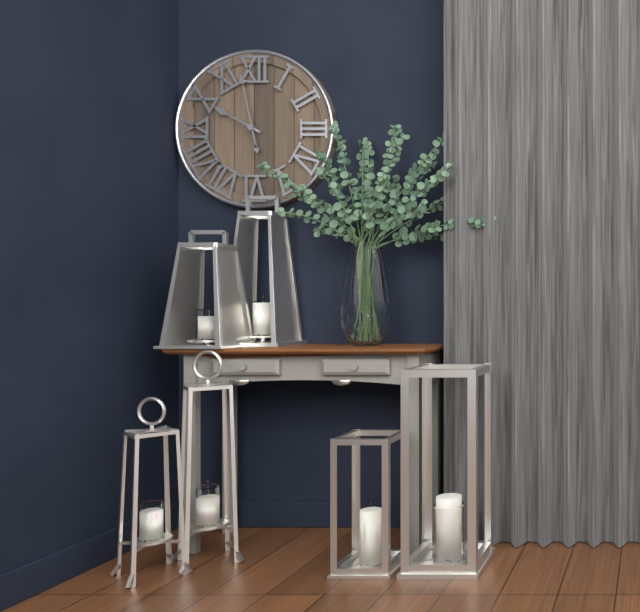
9:58
